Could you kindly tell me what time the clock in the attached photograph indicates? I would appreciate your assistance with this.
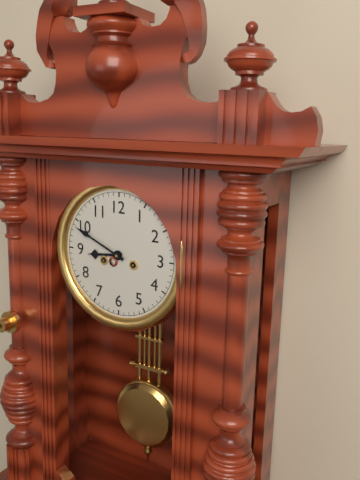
8:49
